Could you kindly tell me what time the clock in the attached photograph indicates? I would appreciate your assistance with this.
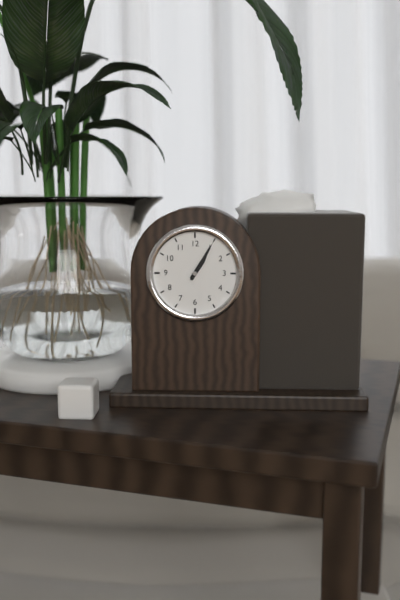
1:05
